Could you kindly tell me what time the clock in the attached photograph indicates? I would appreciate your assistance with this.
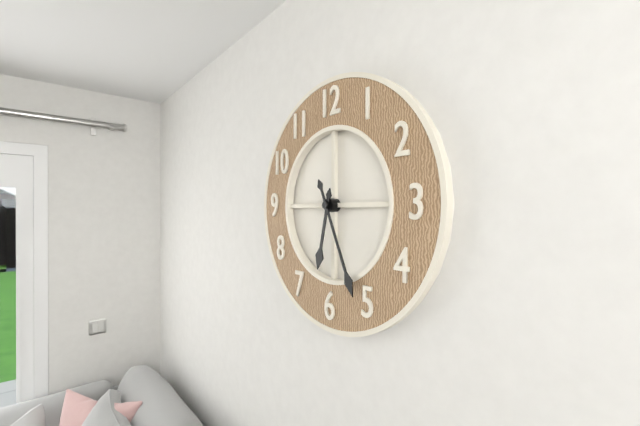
6:26
